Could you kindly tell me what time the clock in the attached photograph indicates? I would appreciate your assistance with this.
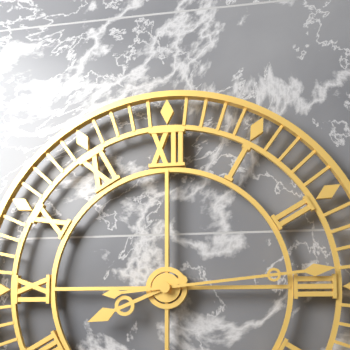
8:14
